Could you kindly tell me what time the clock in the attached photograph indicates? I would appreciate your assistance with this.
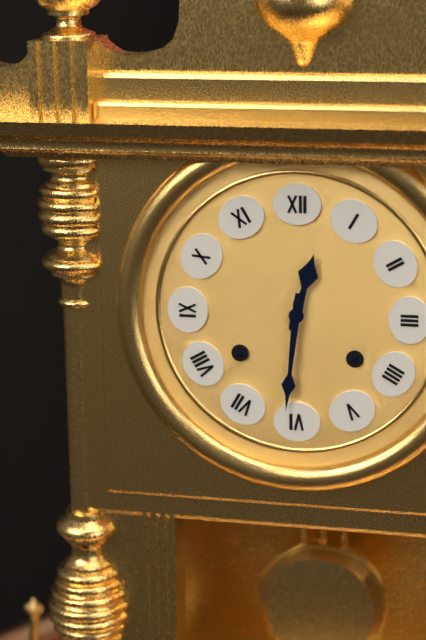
12:31
